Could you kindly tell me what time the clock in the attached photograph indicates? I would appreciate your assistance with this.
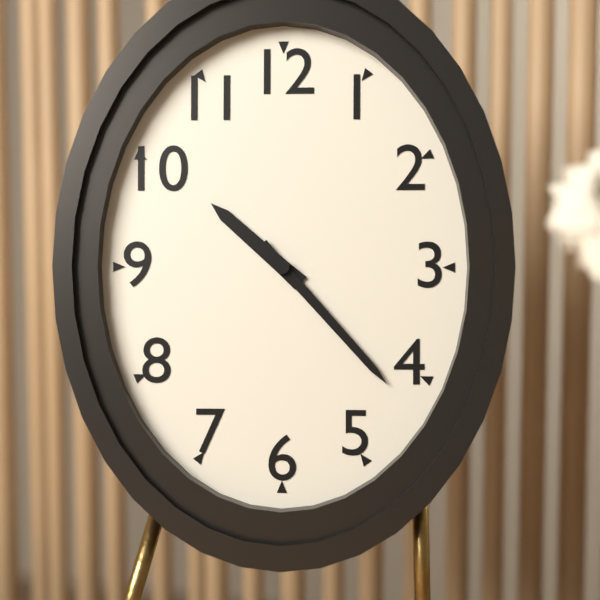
10:23
